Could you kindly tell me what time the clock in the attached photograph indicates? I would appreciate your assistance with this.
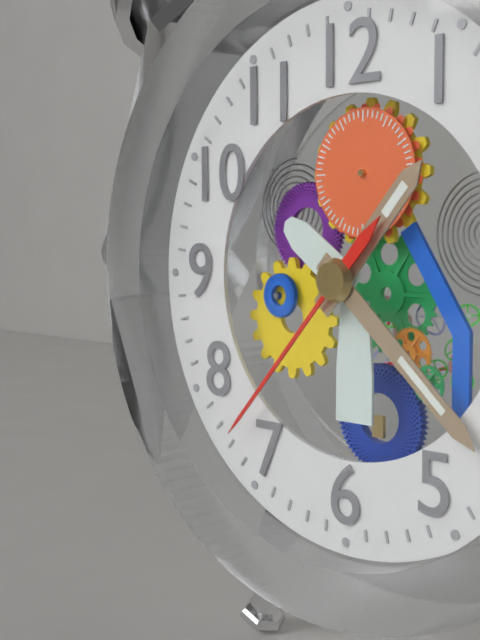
1:22:37
